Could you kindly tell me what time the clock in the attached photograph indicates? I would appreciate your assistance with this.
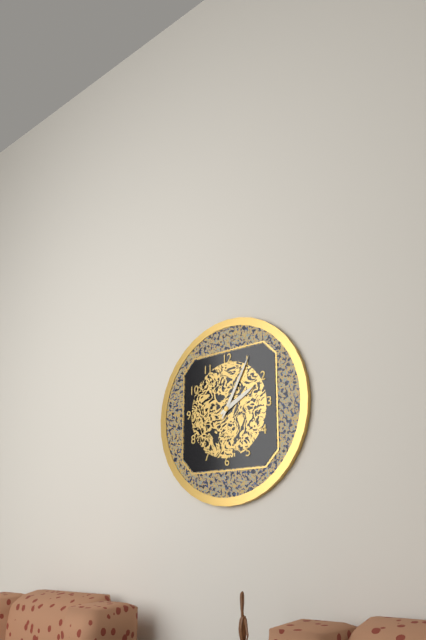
2:05
